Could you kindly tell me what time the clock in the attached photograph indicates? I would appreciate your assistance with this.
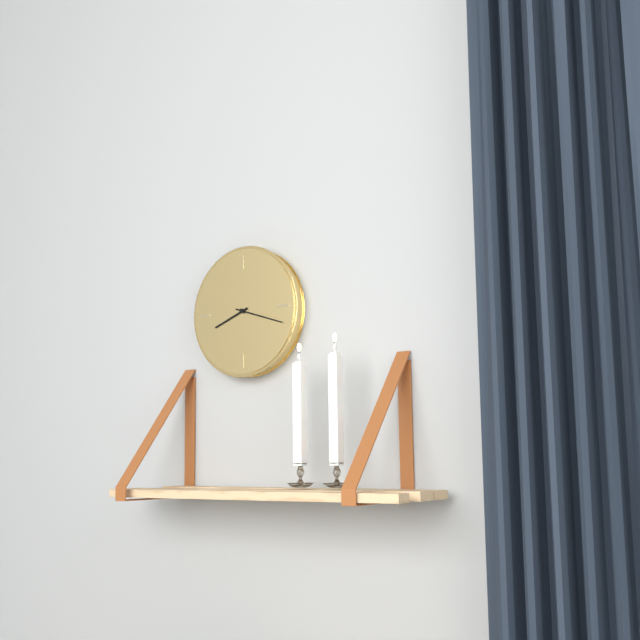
8:18
